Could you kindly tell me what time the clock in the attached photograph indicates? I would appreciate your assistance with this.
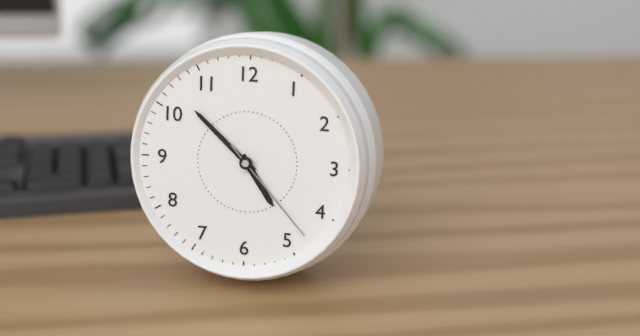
4:52:23
